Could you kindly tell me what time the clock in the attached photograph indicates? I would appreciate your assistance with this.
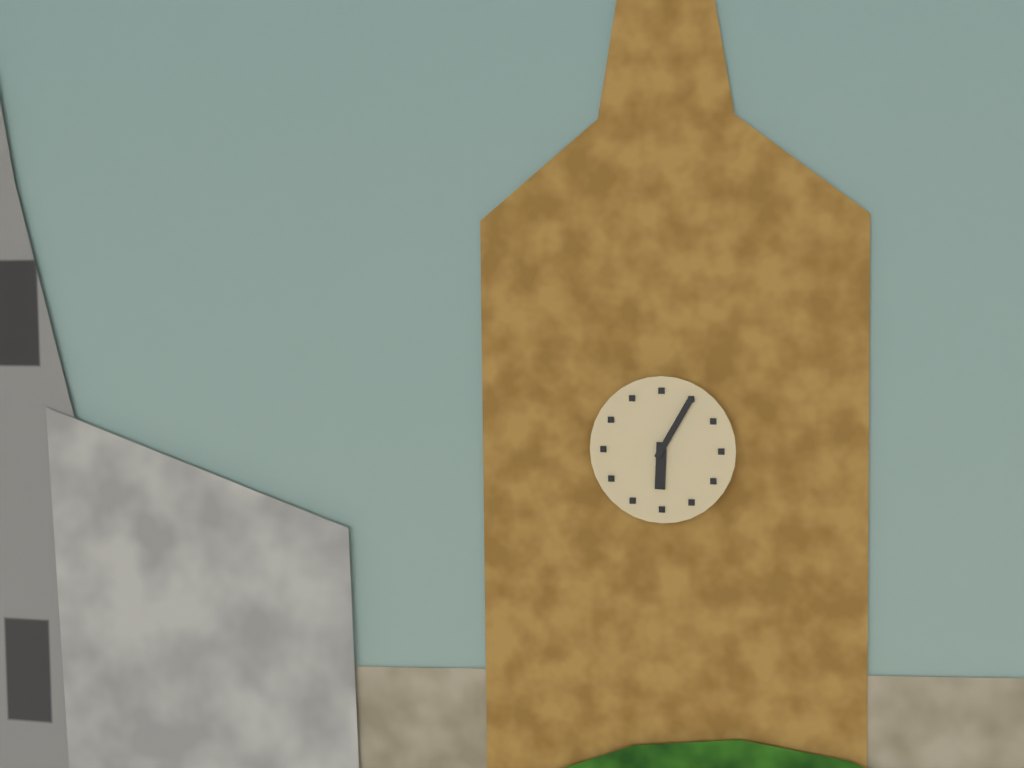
6:05
